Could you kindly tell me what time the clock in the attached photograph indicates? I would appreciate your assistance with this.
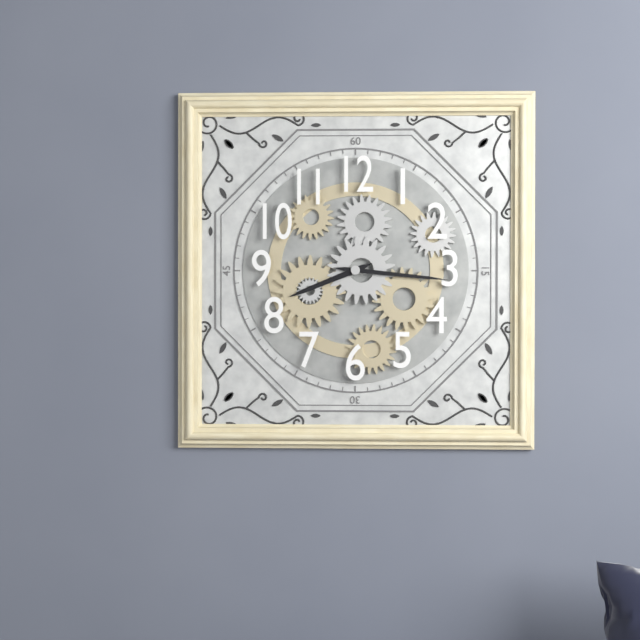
8:16
